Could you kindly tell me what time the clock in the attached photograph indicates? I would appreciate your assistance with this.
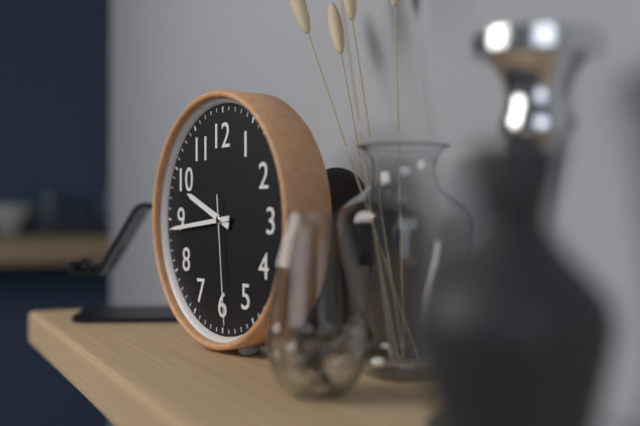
9:44:29
